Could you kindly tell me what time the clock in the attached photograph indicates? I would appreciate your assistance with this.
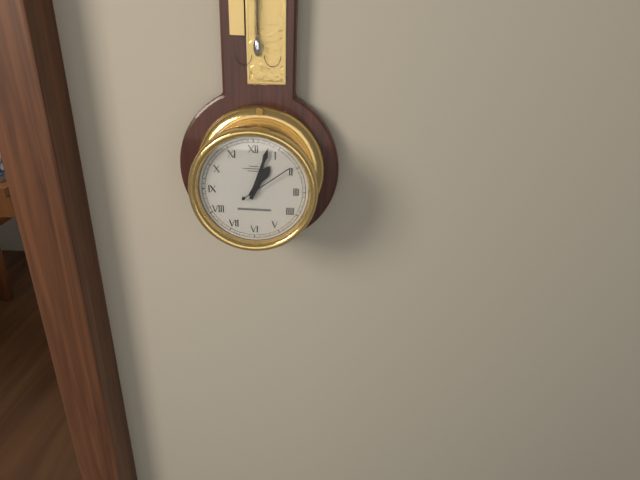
1:03:09
